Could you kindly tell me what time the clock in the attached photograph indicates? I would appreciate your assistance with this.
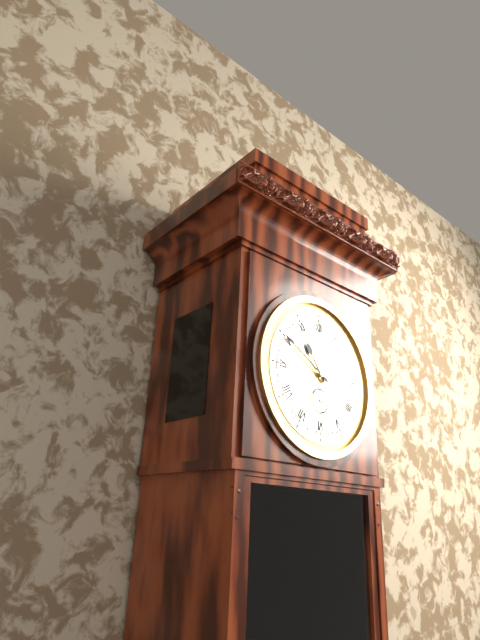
10:50
